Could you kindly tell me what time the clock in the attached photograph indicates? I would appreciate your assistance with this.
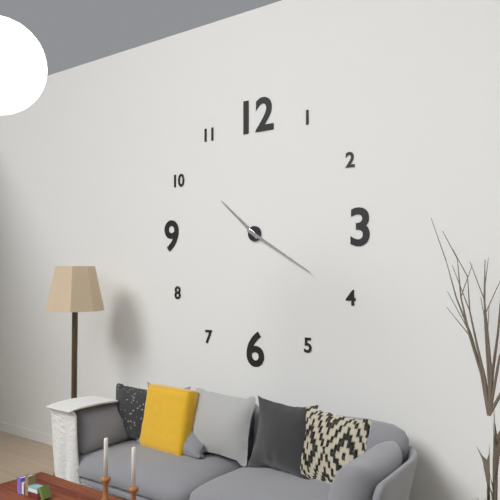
10:20
